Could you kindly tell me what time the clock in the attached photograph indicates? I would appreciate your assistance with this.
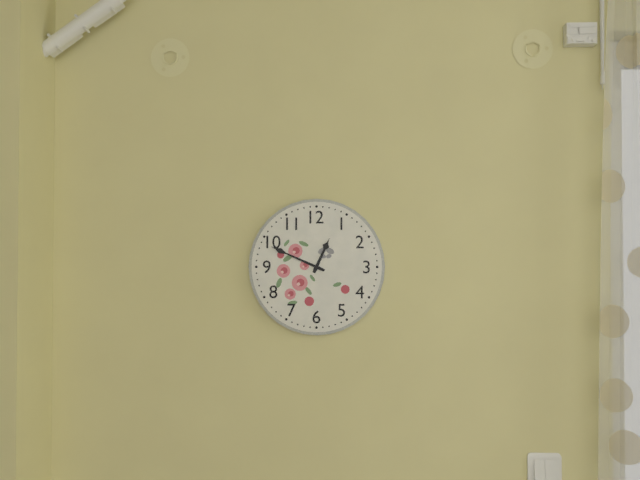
12:49
